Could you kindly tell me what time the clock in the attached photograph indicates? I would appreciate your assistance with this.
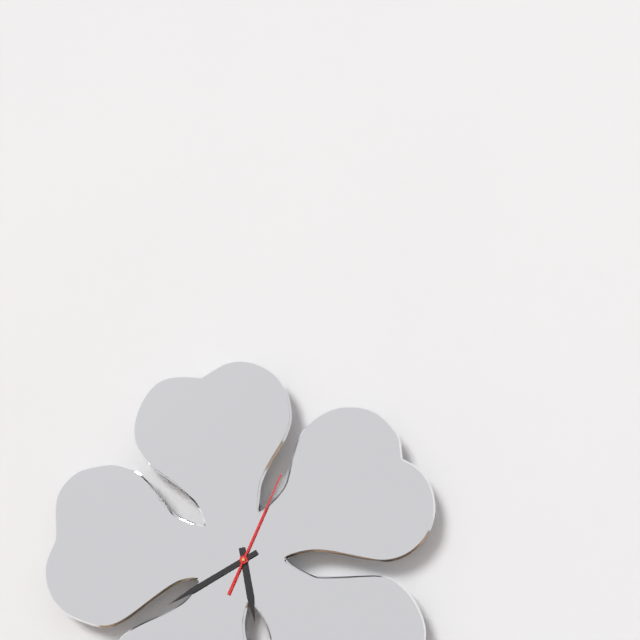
5:40:04
